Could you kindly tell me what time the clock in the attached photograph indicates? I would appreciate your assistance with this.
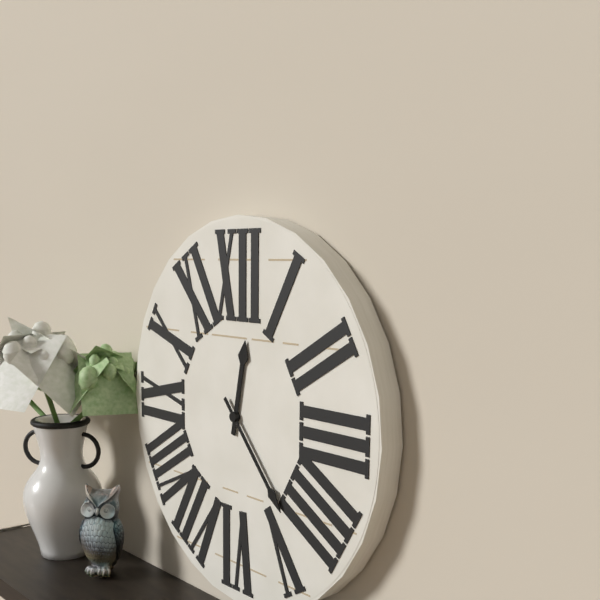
12:23
